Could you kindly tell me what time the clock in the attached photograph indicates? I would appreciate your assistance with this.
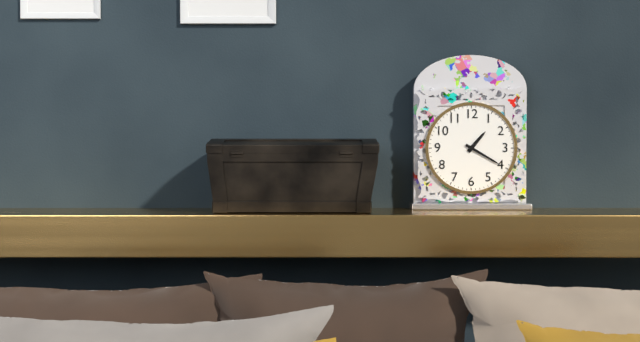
1:20
